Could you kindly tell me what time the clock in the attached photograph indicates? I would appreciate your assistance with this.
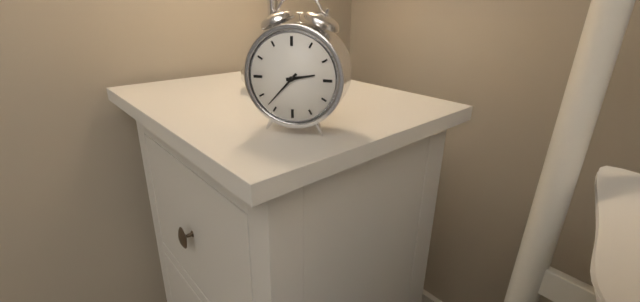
2:37
